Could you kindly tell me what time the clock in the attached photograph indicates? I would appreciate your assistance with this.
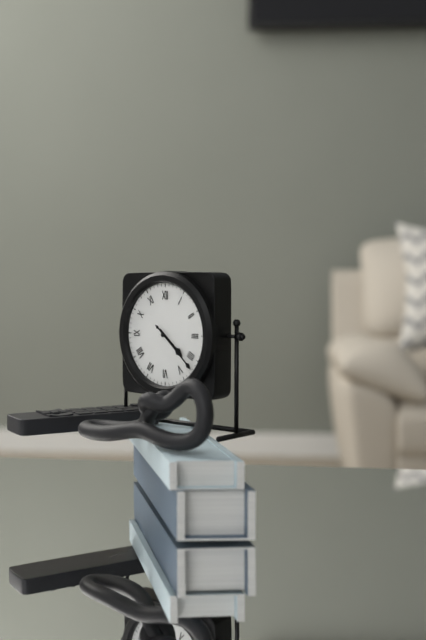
4:22
